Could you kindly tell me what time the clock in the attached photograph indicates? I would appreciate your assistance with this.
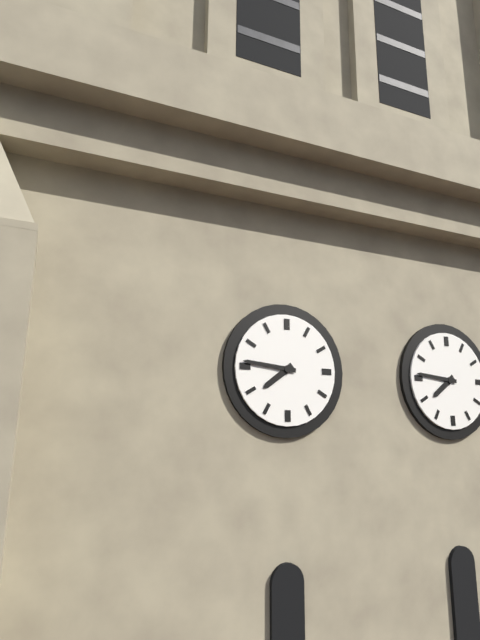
7:46
